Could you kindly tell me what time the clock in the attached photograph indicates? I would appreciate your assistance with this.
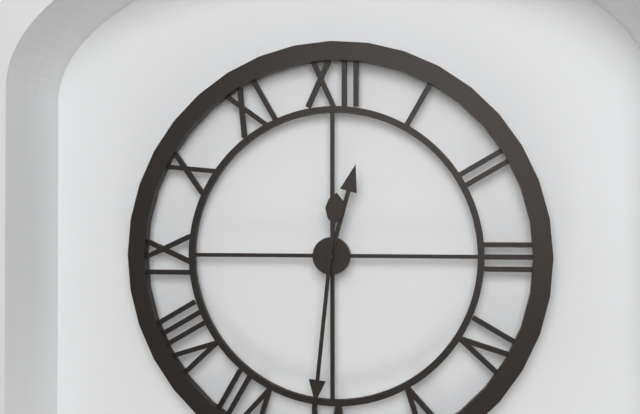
12:31
